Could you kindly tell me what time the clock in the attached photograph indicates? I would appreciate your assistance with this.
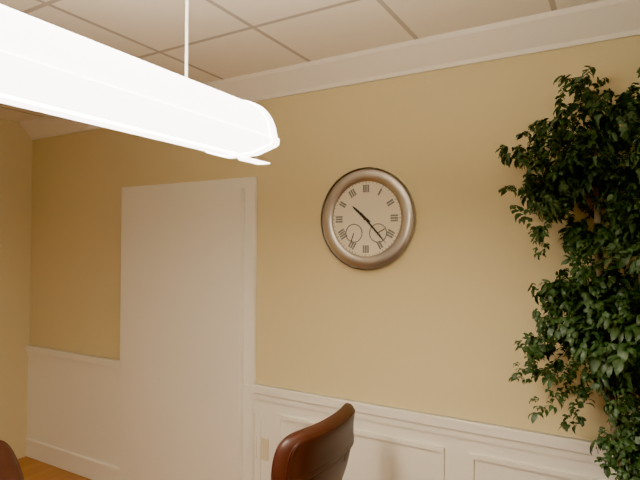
10:23
